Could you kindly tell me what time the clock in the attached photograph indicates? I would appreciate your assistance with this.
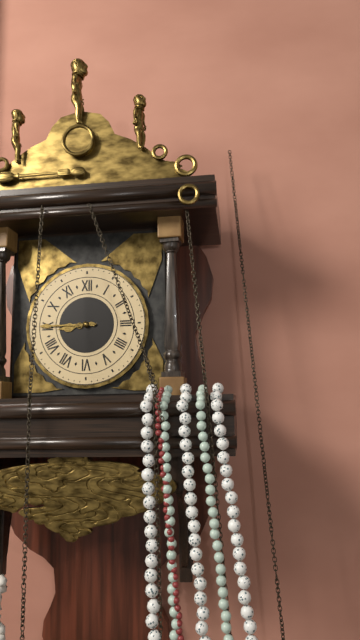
8:45
